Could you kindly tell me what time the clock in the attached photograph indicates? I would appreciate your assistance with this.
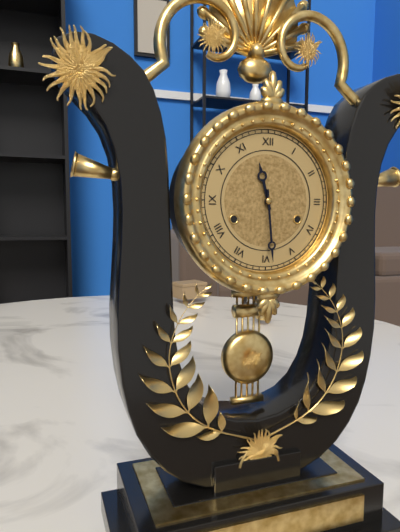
11:29
